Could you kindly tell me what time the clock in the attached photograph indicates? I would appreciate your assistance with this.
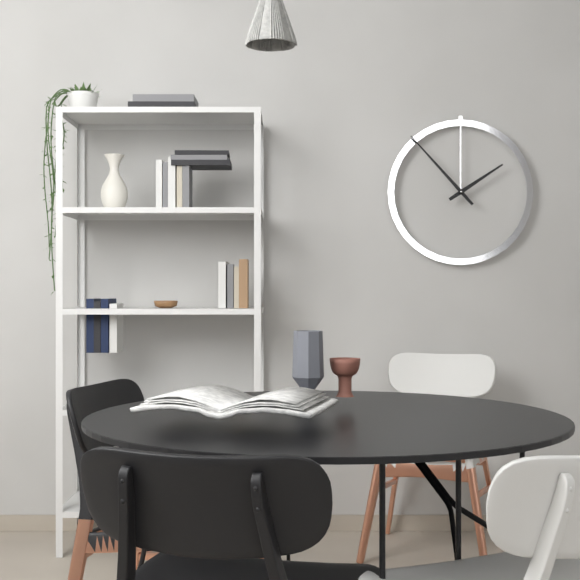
1:53
